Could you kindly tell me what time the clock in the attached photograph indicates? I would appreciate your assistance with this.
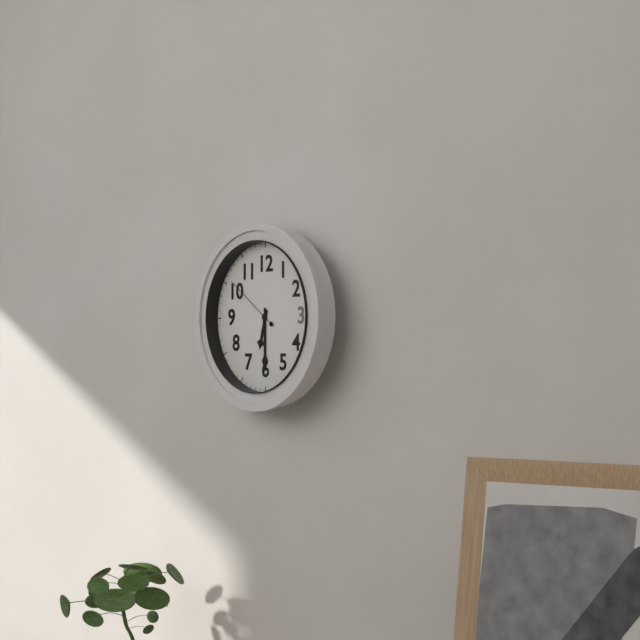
6:30:51
